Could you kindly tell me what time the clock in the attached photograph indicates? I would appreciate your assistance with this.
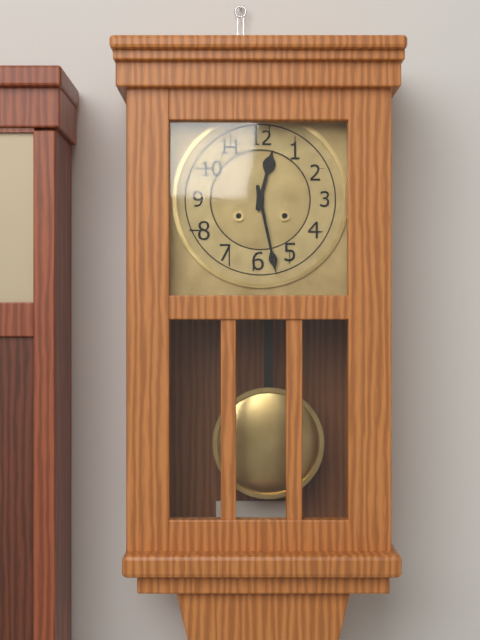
12:28
